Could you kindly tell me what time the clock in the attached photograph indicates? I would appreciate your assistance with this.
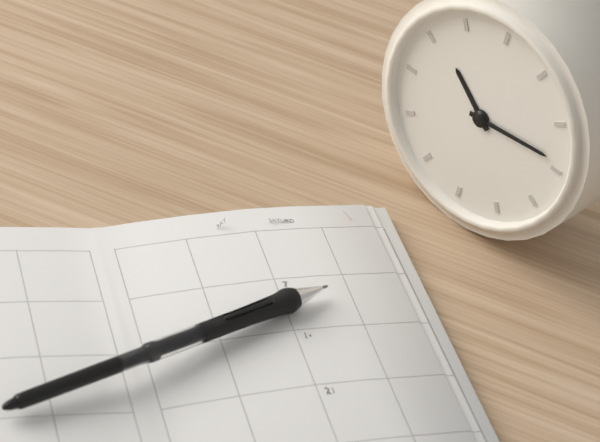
10:14
